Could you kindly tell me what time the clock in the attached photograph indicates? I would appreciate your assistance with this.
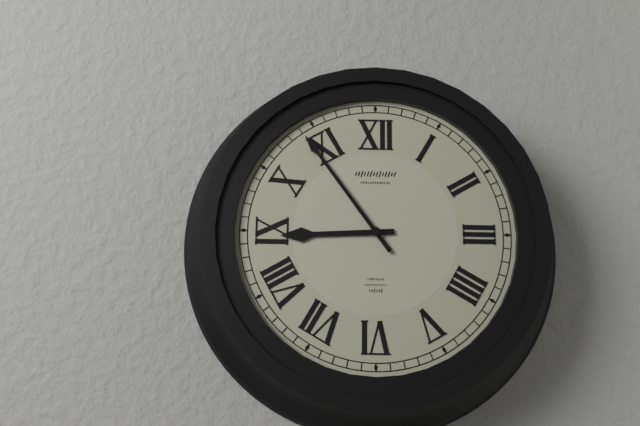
8:54
